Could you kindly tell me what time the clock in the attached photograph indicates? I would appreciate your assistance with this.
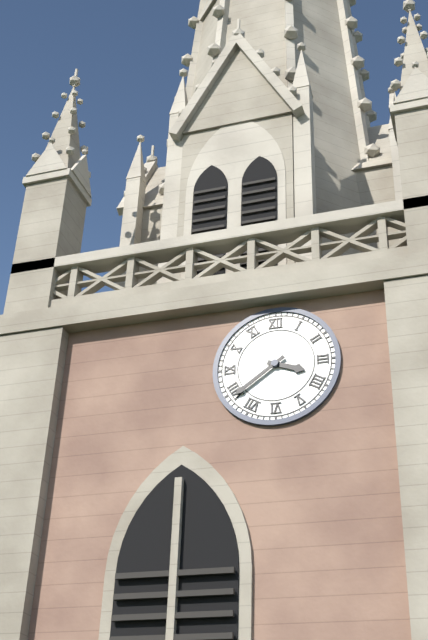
3:39
